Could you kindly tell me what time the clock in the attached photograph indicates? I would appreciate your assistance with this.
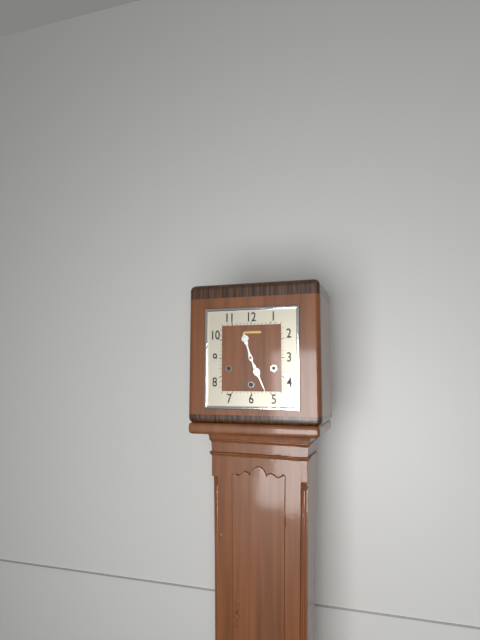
11:26
